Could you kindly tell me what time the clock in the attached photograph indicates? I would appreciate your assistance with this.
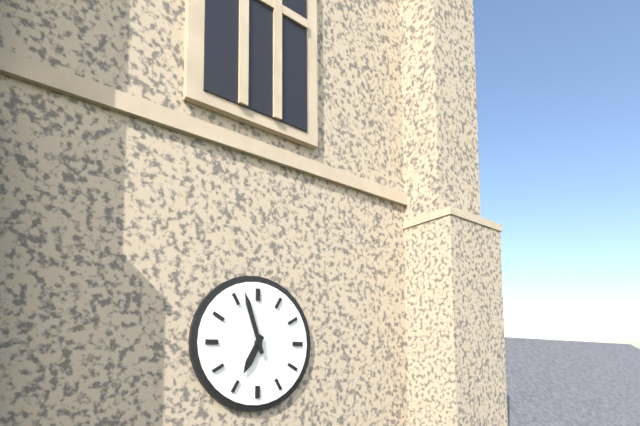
6:57
